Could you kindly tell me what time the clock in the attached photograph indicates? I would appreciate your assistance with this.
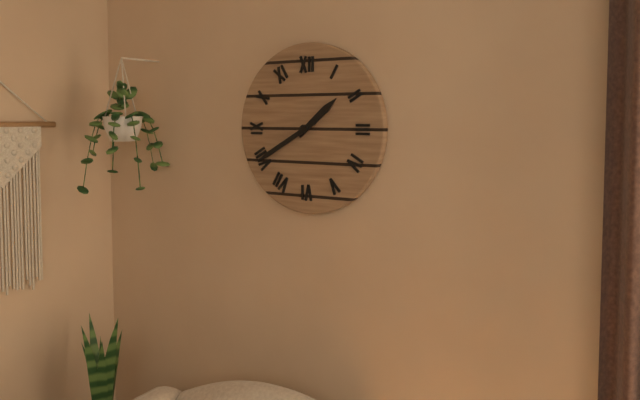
1:40
